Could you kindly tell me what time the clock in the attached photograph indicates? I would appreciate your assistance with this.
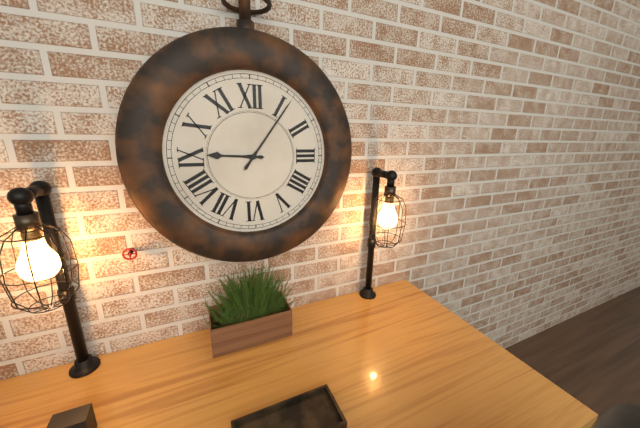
9:06
